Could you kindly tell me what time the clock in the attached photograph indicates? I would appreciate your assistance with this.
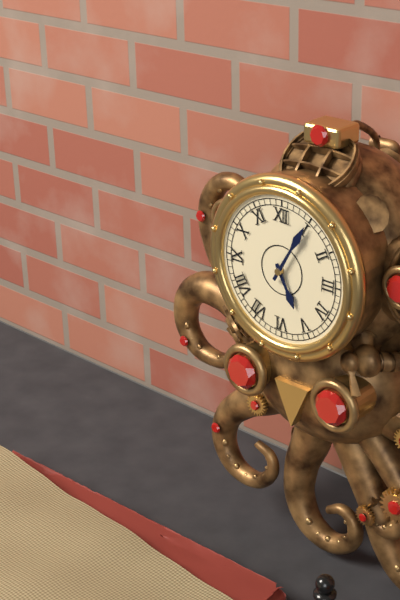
5:05
